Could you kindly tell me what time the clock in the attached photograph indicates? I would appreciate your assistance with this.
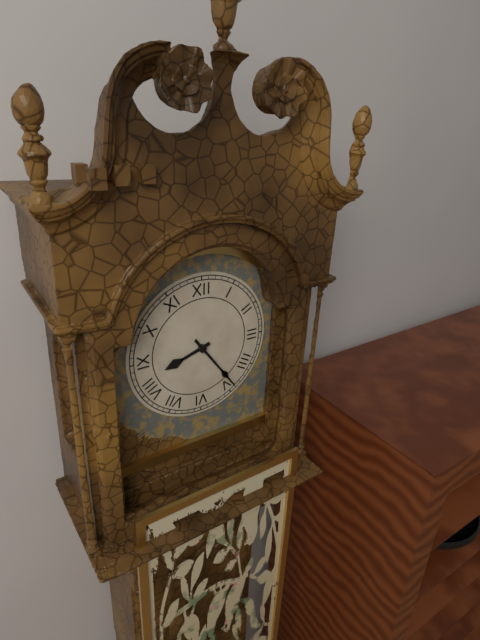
8:24
